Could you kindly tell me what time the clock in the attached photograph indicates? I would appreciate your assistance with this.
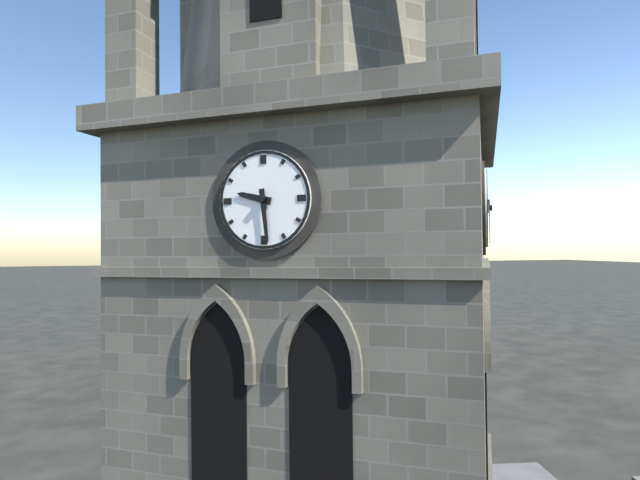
9:29
